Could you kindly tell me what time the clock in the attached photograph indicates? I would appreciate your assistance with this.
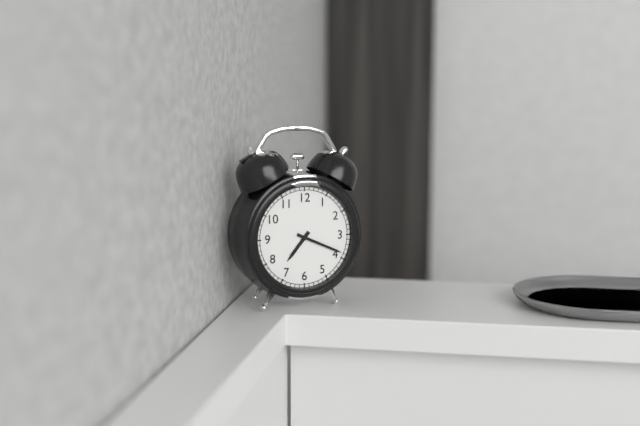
7:19
